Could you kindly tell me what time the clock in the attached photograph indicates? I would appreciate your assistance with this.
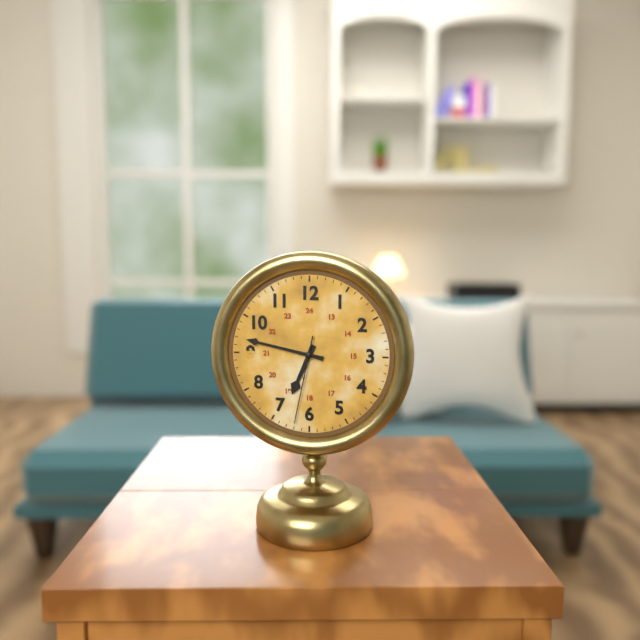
6:47:32
